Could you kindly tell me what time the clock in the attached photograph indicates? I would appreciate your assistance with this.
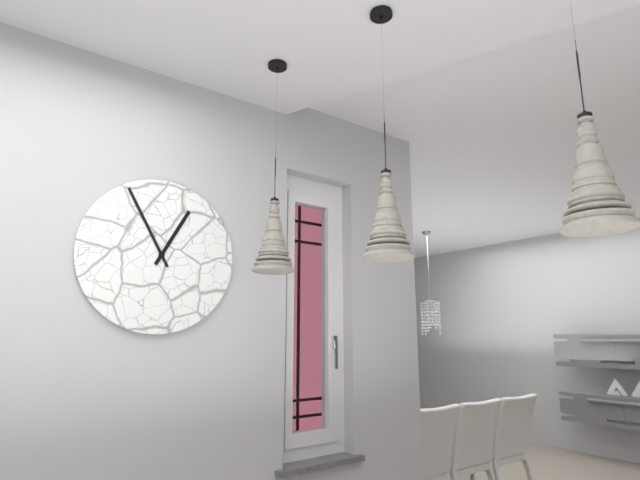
12:55
